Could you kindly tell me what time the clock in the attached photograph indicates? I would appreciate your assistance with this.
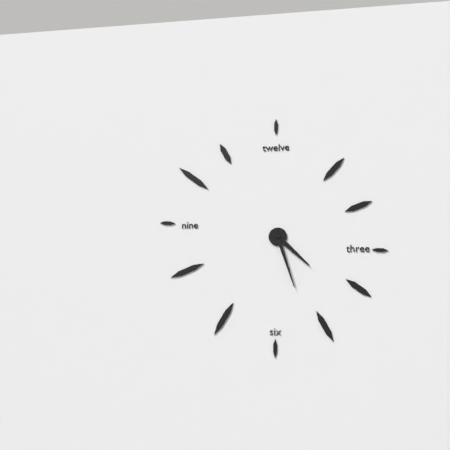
4:27
